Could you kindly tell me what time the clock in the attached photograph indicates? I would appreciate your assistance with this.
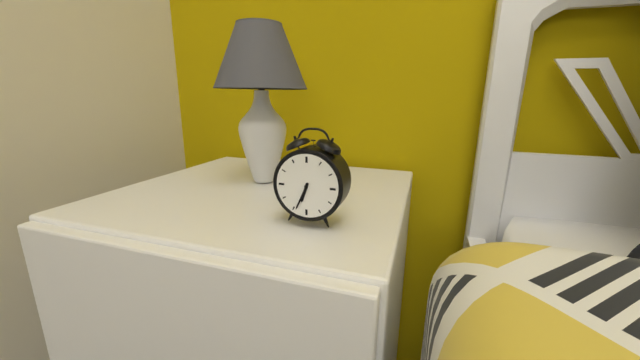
6:34
